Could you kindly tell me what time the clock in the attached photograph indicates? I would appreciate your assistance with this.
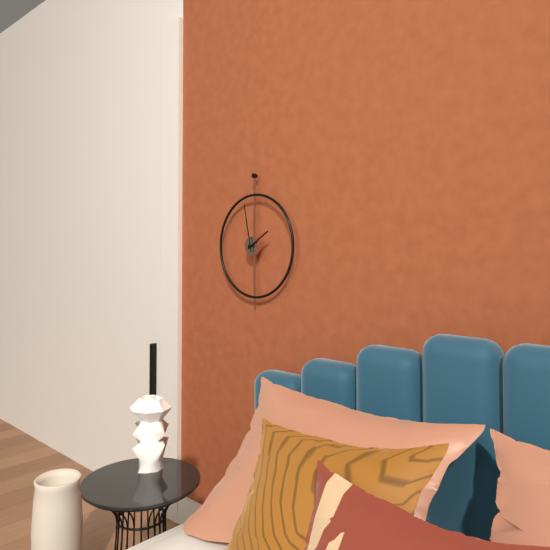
1:58
